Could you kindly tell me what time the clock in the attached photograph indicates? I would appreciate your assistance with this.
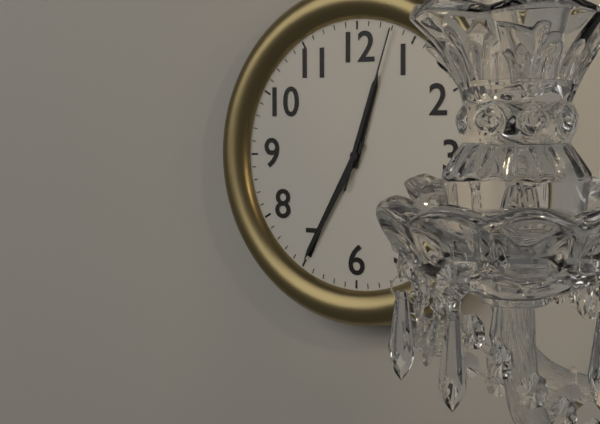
12:35:03
